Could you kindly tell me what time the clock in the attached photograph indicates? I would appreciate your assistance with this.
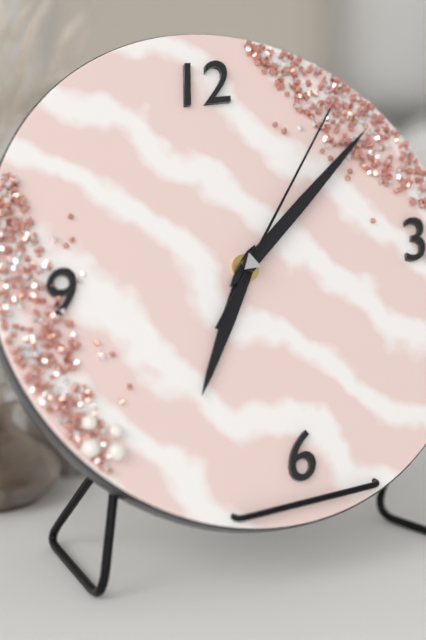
7:09:07
